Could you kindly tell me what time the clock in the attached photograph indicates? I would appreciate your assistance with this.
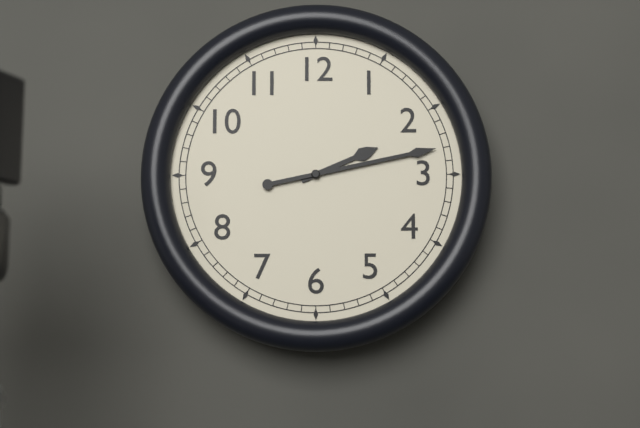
2:13
